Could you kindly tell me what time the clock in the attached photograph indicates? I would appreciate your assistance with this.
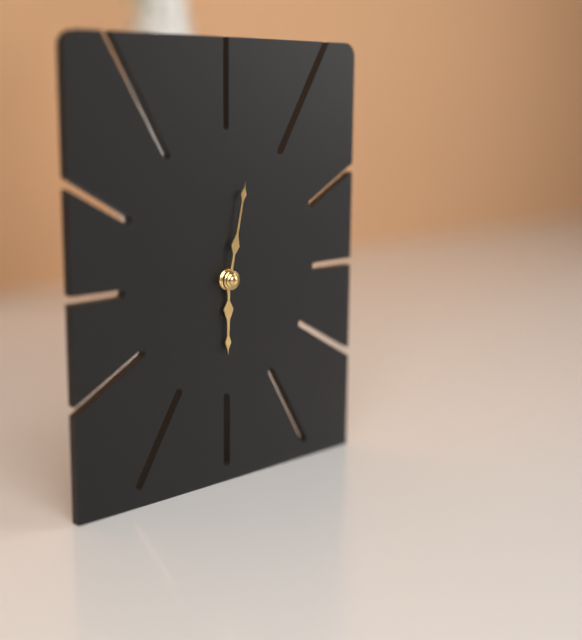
6:02
